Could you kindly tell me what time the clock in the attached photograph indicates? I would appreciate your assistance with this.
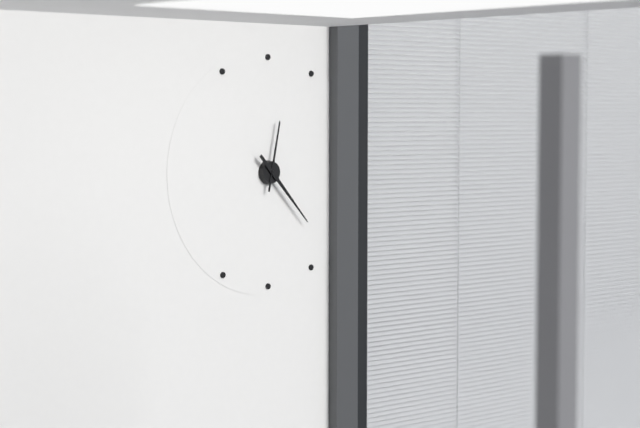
12:23
